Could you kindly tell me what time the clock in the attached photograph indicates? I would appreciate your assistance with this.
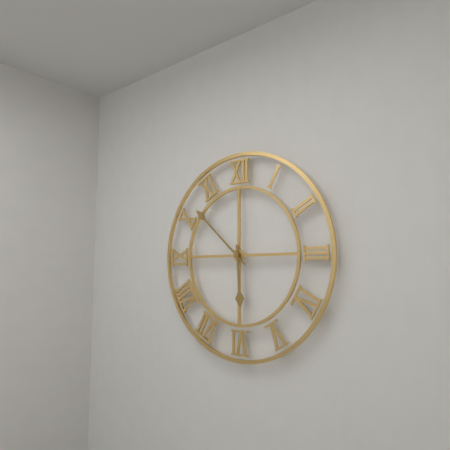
5:52
